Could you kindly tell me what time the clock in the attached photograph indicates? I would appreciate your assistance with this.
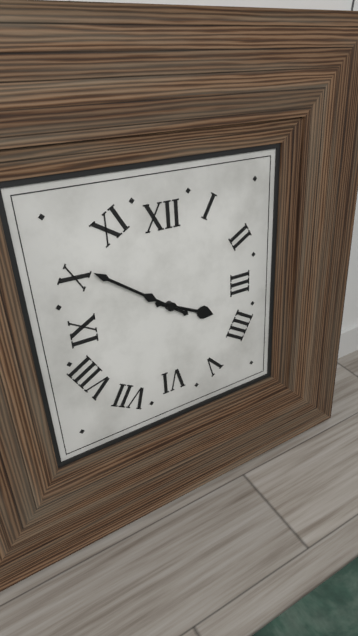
3:51
